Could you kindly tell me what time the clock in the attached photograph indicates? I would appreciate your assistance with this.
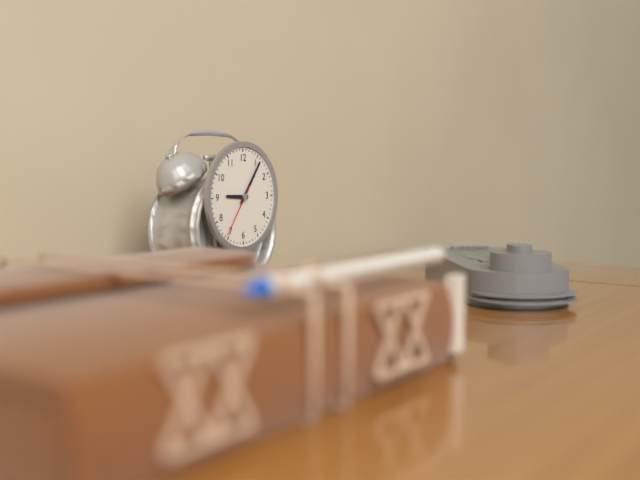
9:06:36
